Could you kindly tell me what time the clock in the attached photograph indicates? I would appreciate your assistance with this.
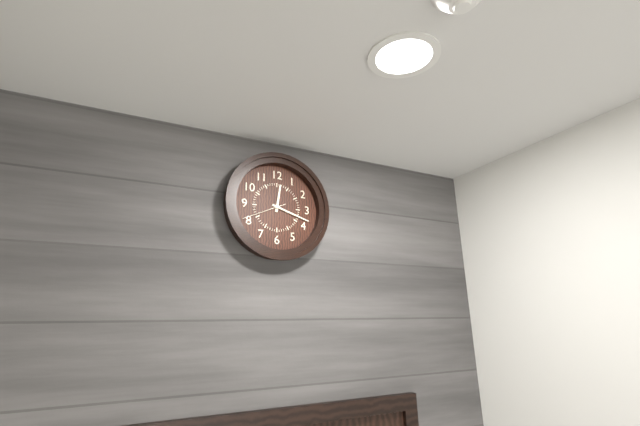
12:18
